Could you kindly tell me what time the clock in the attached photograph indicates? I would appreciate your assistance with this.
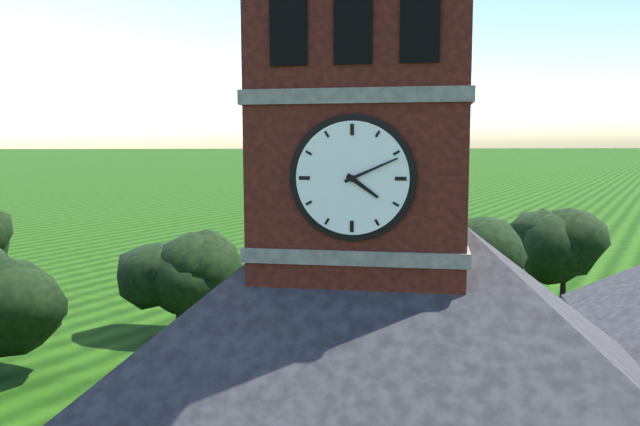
4:11
